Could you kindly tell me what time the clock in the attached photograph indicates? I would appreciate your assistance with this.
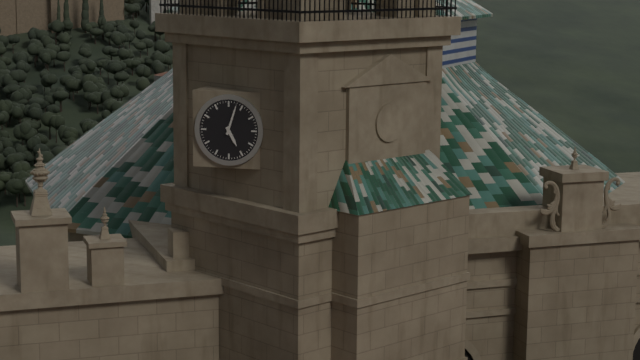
5:03
